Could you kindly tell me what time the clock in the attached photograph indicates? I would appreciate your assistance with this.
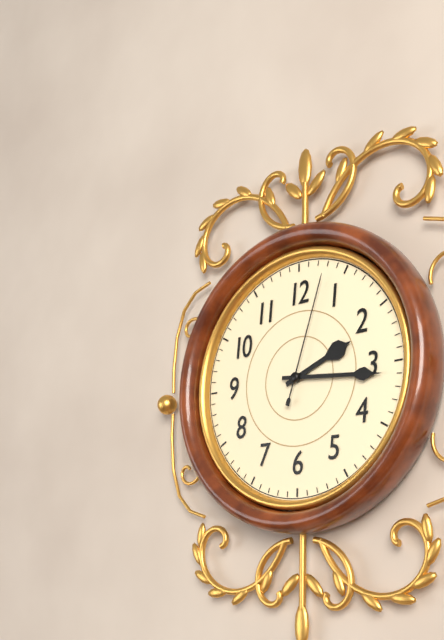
2:16:03
